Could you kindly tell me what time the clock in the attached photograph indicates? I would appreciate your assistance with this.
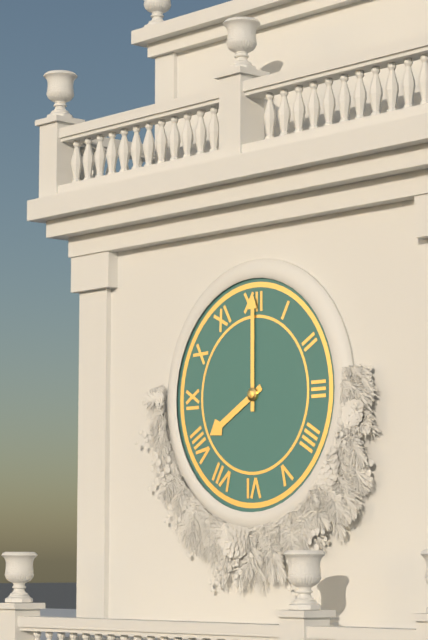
8:00
